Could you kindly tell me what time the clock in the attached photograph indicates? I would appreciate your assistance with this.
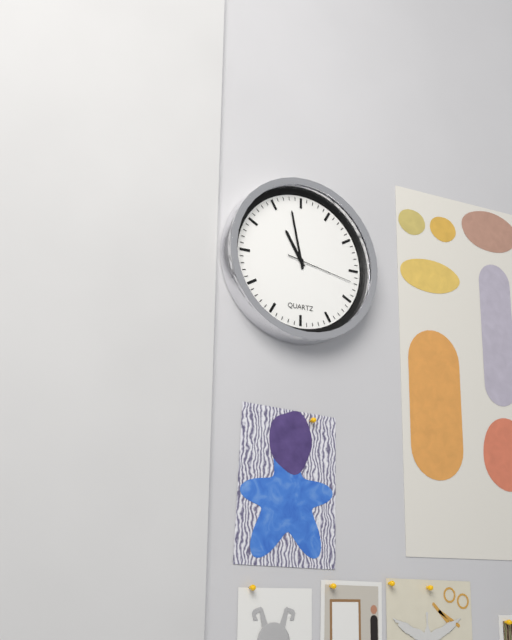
10:58:17
